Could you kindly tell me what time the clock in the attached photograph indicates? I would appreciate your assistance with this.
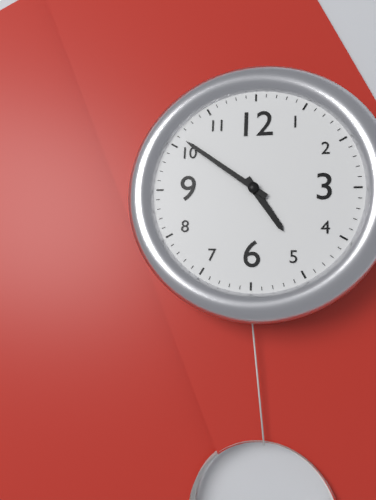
4:51
